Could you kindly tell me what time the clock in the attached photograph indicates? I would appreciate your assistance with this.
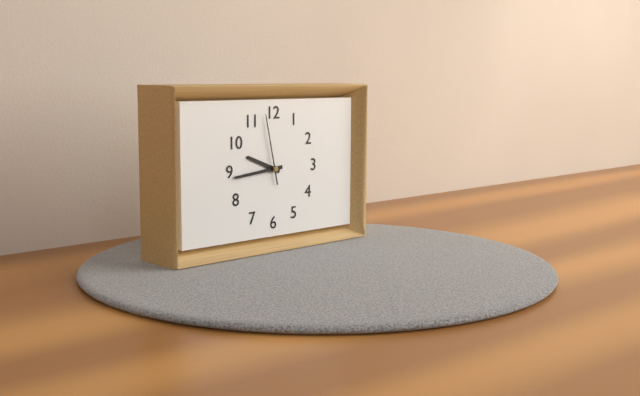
9:44:58
